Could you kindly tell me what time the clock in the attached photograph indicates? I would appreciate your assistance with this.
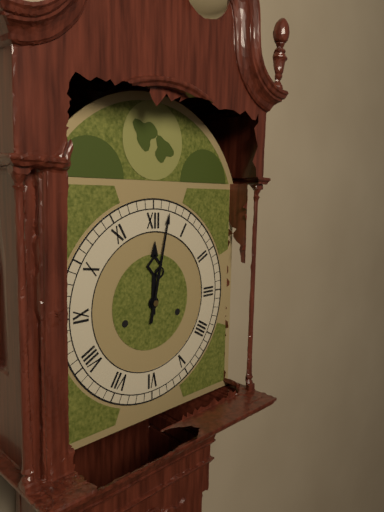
12:02
